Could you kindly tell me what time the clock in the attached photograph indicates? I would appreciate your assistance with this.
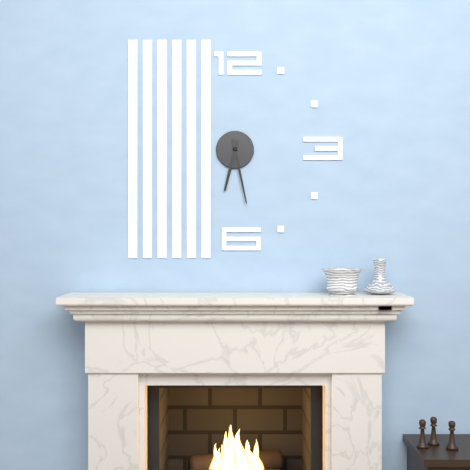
6:28
